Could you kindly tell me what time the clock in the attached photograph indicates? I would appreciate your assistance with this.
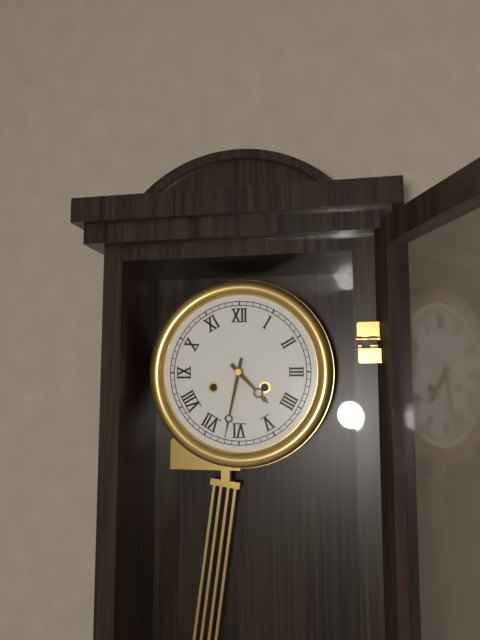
4:32
